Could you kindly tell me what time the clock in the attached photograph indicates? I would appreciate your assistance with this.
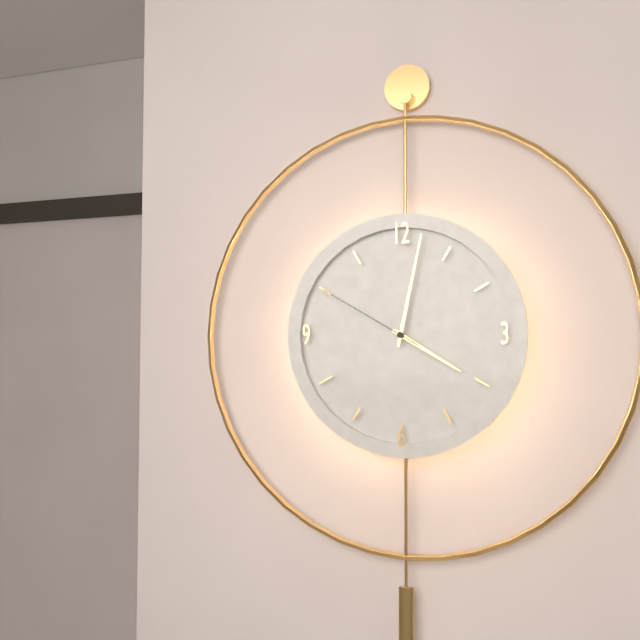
4:02:50
